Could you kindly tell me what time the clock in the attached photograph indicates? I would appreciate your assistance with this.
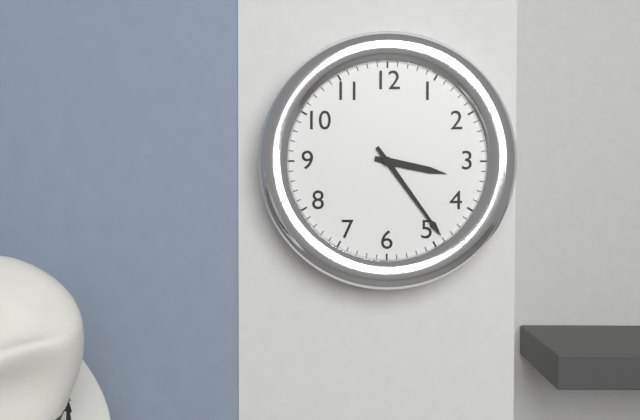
3:24
